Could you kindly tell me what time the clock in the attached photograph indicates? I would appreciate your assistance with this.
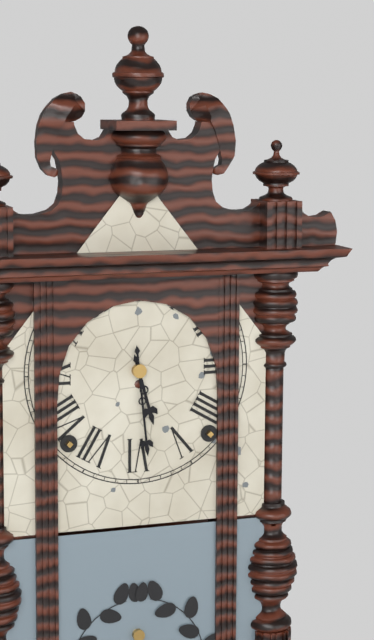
5:29
